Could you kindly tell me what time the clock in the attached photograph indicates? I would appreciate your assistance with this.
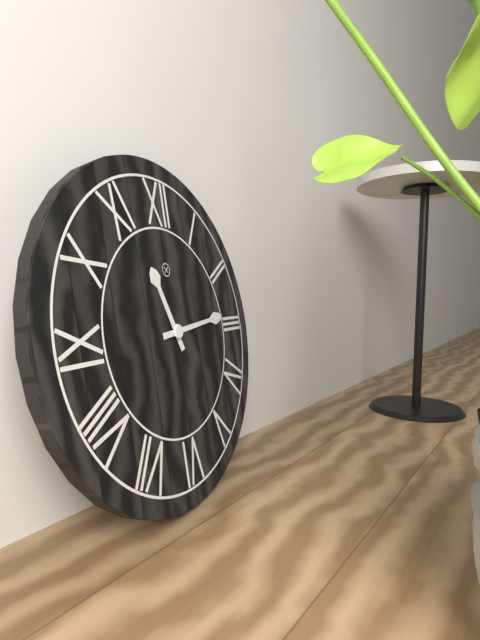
11:14
